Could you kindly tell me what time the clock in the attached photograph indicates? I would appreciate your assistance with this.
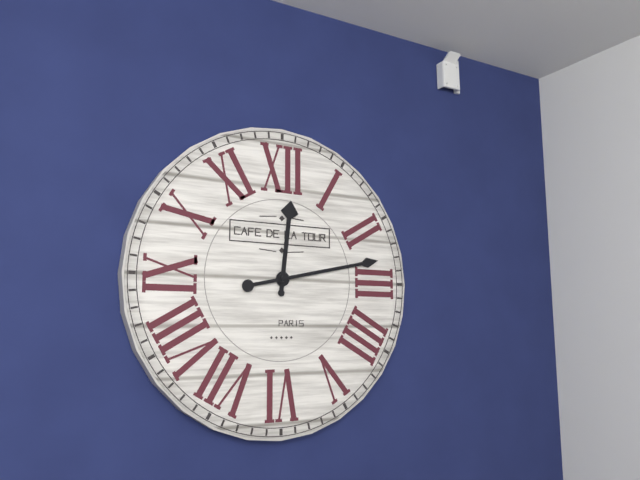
12:13
